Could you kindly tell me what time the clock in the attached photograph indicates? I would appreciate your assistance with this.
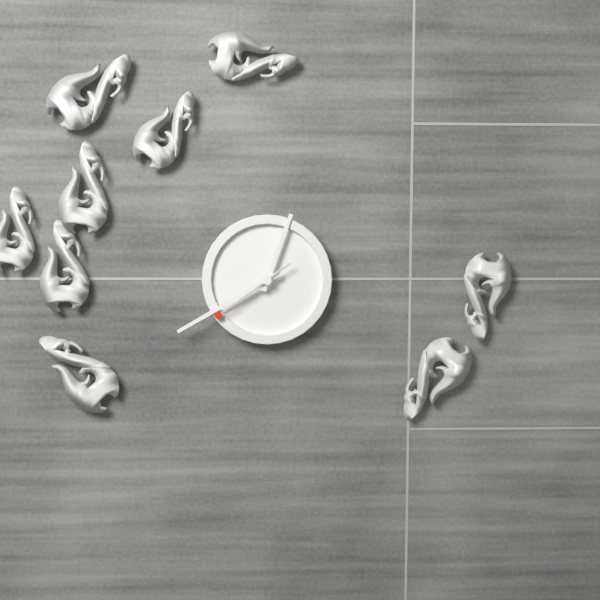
12:40:39
